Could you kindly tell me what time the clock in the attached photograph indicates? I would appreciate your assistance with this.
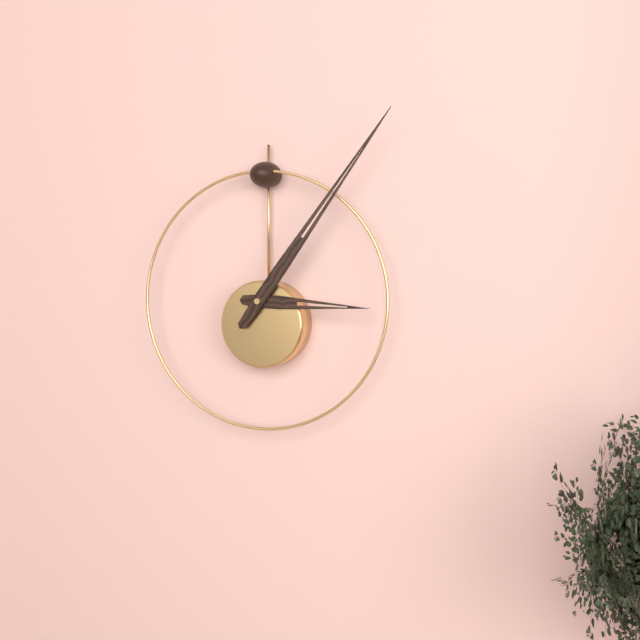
3:06
